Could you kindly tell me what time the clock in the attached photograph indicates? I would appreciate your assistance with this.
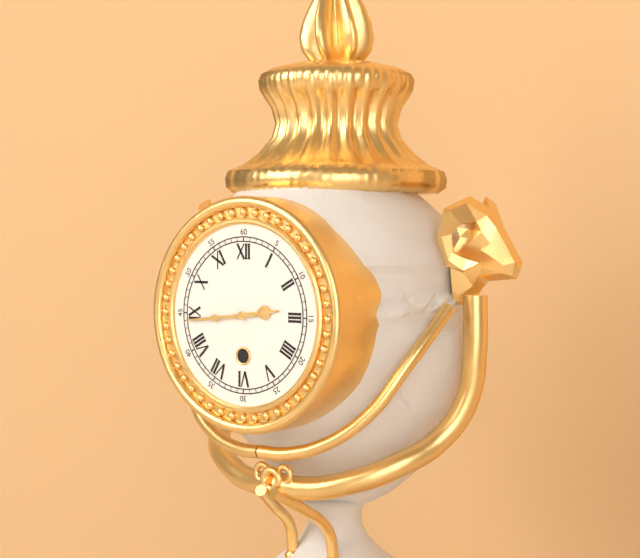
2:44
